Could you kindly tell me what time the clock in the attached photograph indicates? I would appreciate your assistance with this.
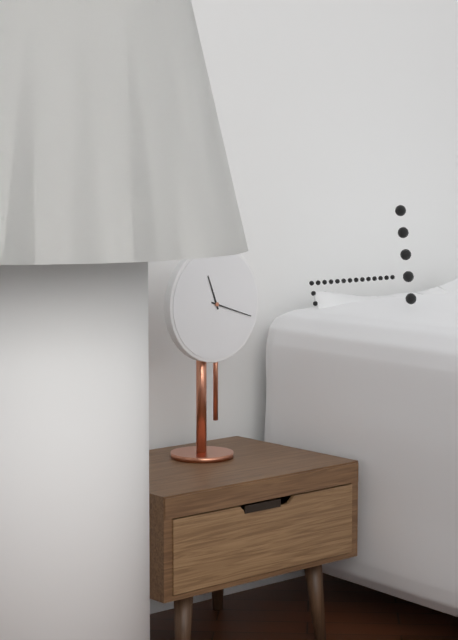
11:18
